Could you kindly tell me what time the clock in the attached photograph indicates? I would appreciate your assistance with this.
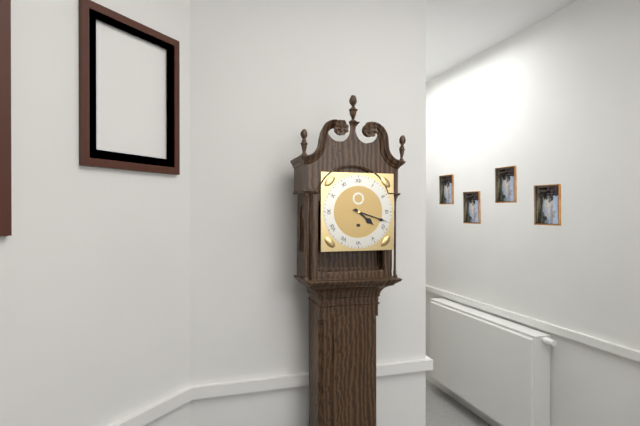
4:18
